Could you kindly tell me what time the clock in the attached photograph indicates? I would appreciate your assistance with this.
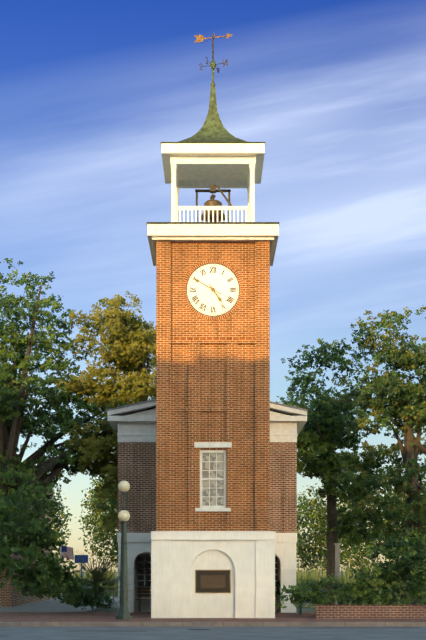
4:50
